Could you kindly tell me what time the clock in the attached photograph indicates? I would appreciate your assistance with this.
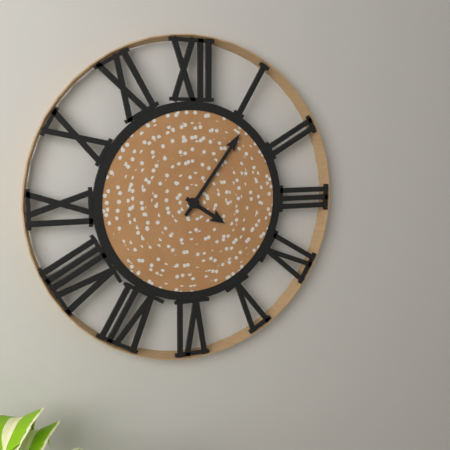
4:06
